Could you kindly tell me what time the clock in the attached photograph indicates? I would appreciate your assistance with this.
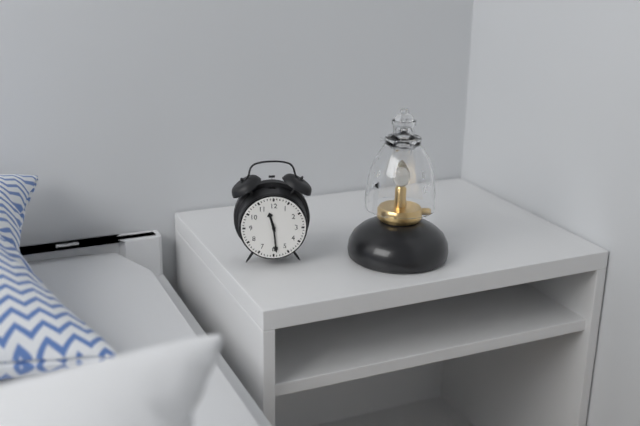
11:29
